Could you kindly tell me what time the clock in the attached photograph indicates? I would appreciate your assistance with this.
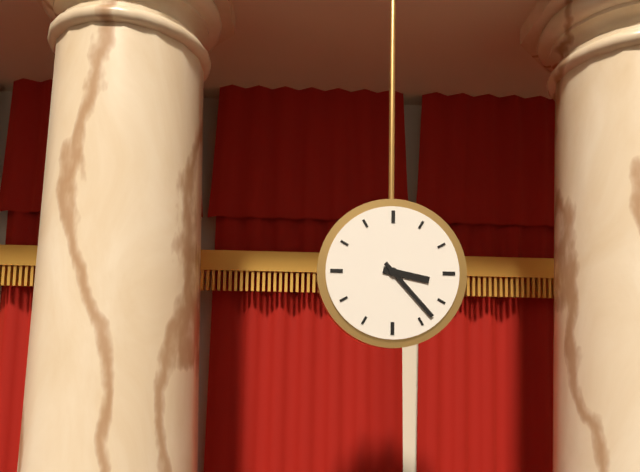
3:23
